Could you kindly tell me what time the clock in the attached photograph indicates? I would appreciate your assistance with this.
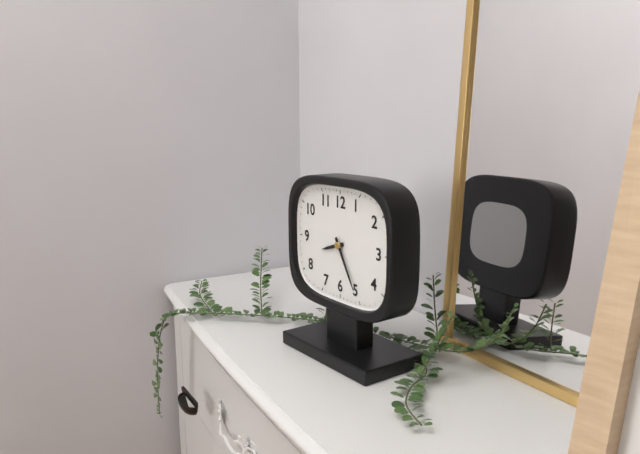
8:25
